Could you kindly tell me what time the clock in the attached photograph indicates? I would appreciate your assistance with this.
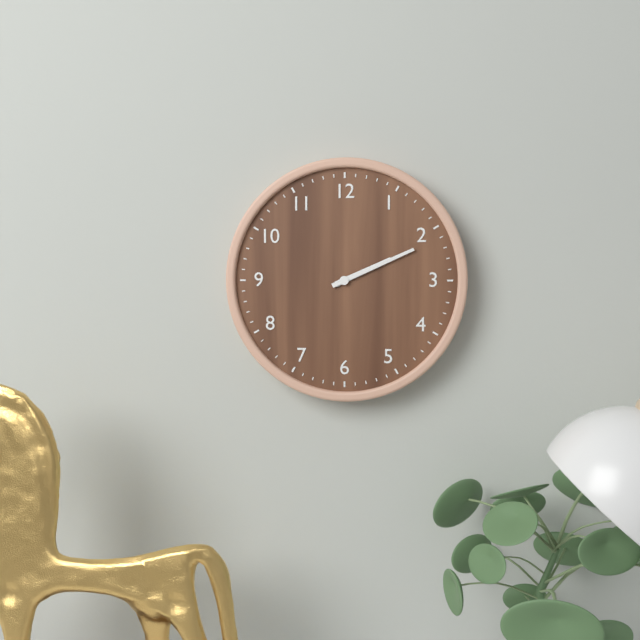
2:11
